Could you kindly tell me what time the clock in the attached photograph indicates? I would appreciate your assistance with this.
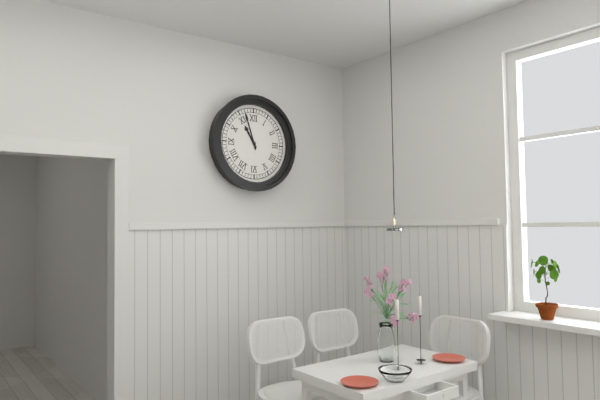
10:57
